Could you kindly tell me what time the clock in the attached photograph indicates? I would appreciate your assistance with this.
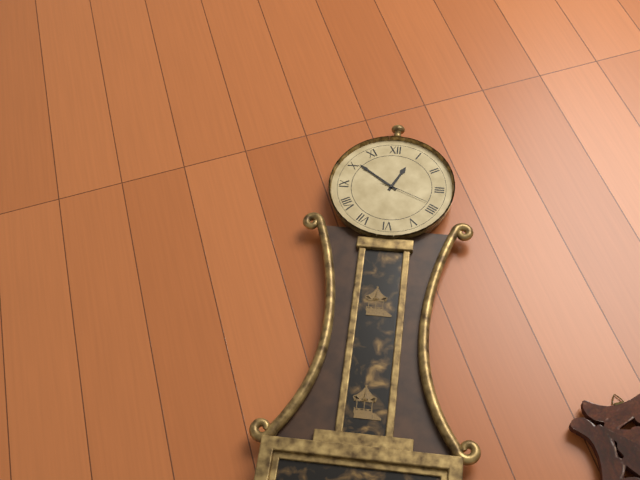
12:51
